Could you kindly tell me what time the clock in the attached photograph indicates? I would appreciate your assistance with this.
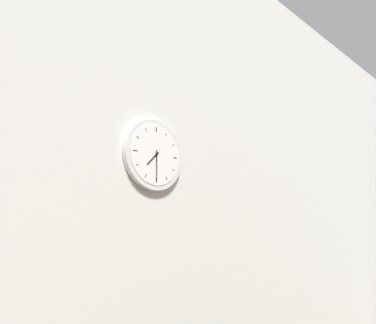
7:30
